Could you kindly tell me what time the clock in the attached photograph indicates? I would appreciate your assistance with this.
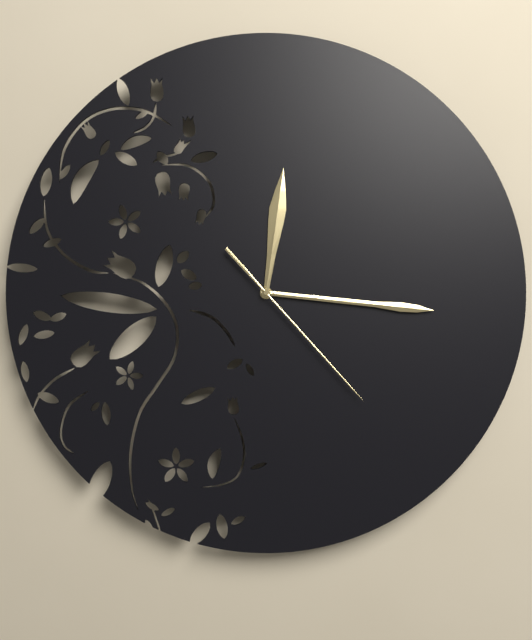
12:16:23
